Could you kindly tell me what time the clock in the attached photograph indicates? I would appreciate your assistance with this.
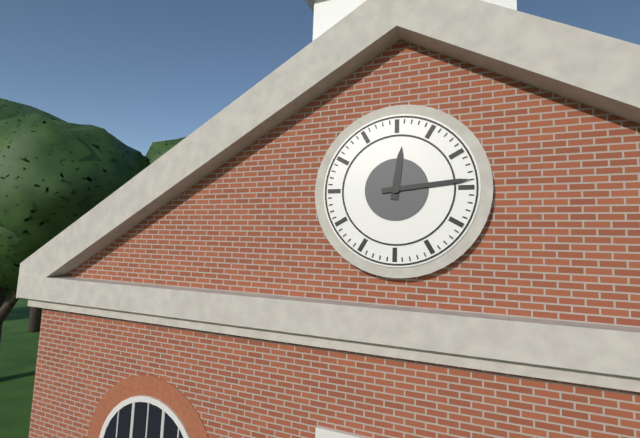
12:14
